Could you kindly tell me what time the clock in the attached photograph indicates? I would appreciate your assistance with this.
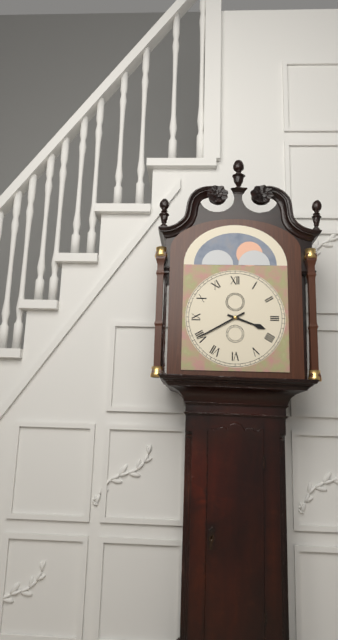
3:40
